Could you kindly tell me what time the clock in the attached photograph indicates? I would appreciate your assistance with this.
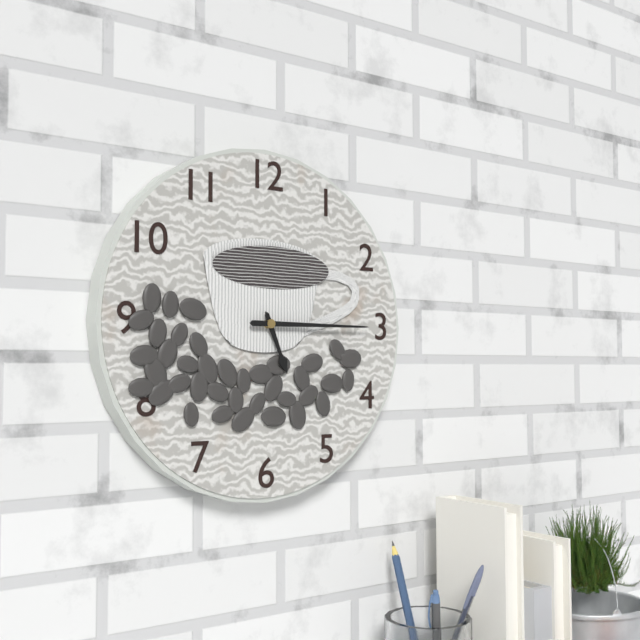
5:15
